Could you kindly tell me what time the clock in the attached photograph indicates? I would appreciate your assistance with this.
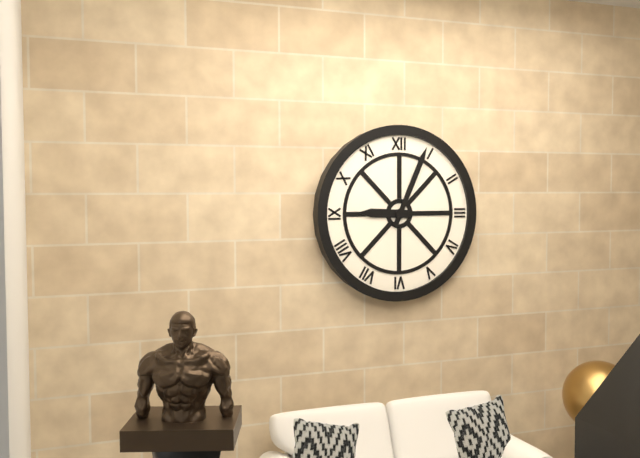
9:04
